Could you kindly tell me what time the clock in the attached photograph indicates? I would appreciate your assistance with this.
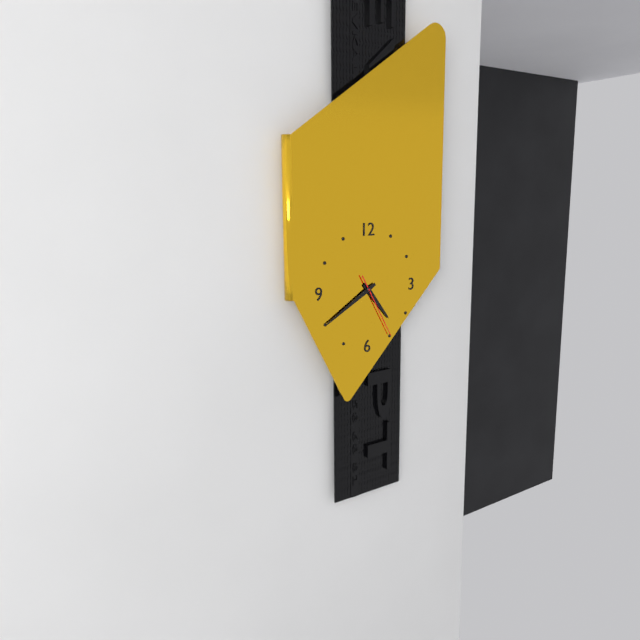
4:40:25
